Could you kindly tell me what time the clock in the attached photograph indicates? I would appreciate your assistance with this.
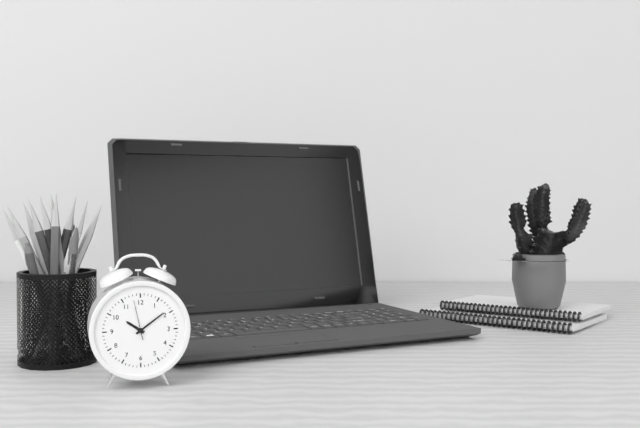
10:09
